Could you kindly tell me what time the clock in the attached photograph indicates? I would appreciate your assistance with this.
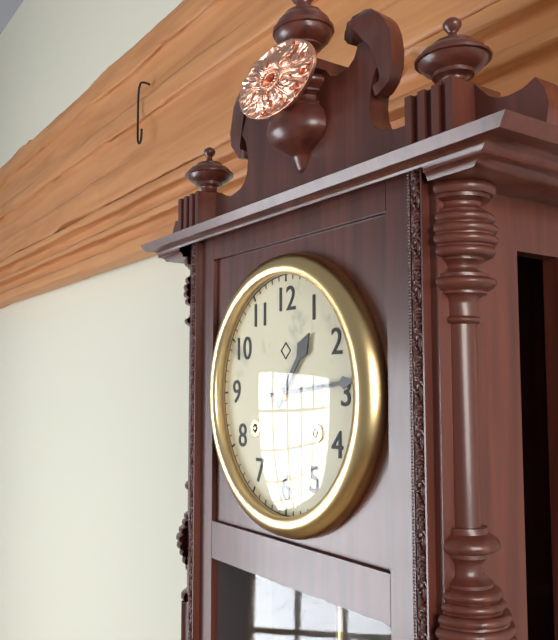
1:14
